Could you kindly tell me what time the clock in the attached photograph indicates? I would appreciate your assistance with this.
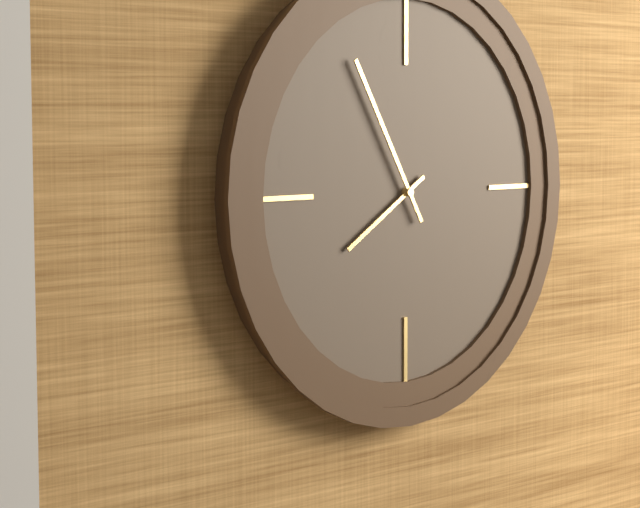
7:55
